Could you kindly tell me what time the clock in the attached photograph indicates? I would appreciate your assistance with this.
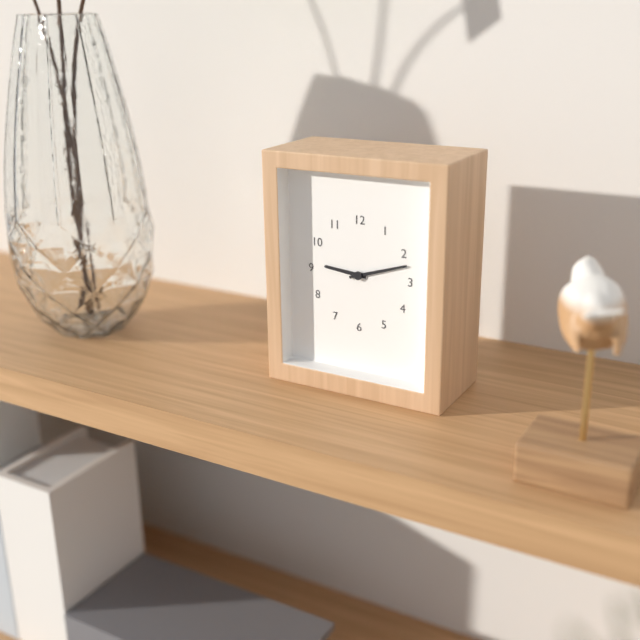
9:12
